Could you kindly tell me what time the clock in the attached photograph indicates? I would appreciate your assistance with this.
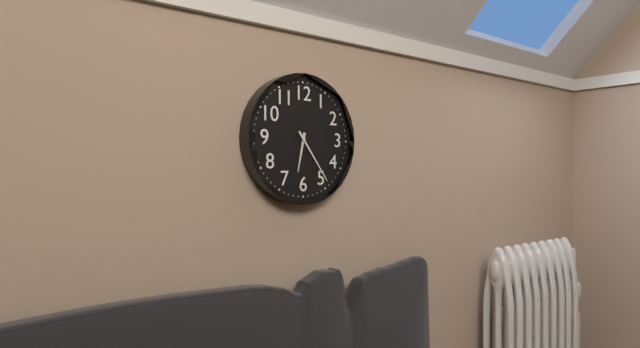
6:24
